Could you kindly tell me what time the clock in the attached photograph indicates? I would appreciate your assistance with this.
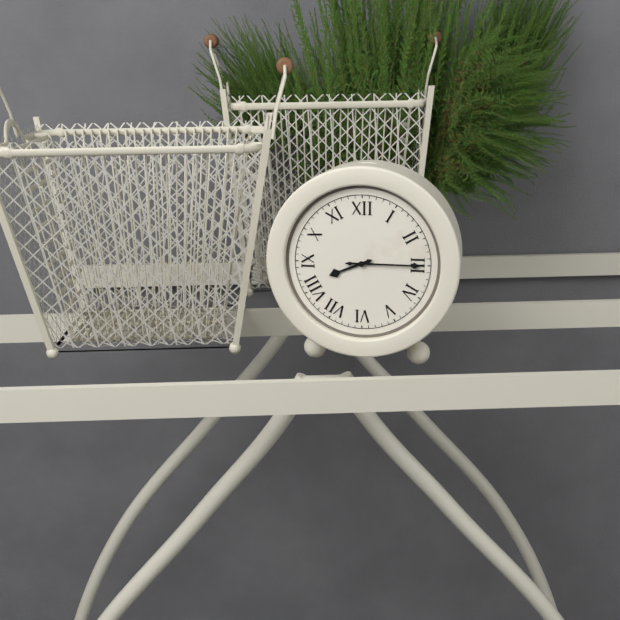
8:15
